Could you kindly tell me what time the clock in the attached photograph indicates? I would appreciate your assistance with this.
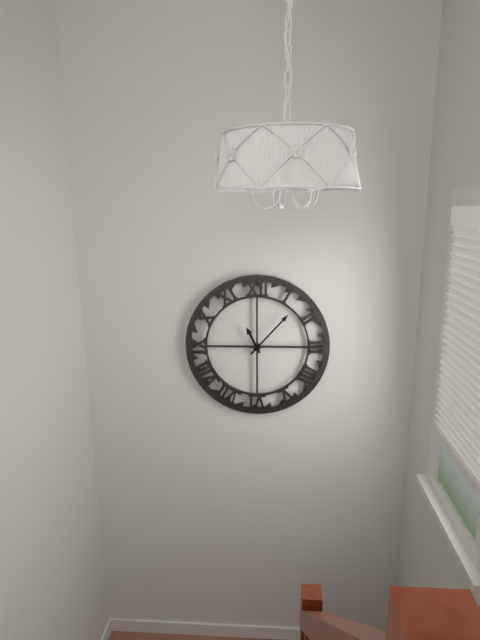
11:07
